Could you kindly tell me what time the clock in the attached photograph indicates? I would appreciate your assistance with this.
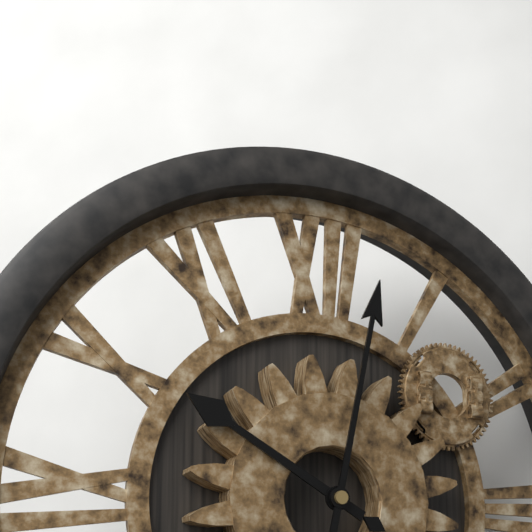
10:02
